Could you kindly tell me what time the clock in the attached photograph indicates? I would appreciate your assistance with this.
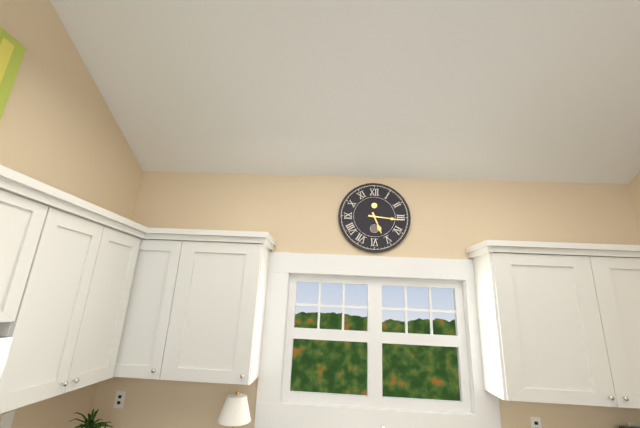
5:16
